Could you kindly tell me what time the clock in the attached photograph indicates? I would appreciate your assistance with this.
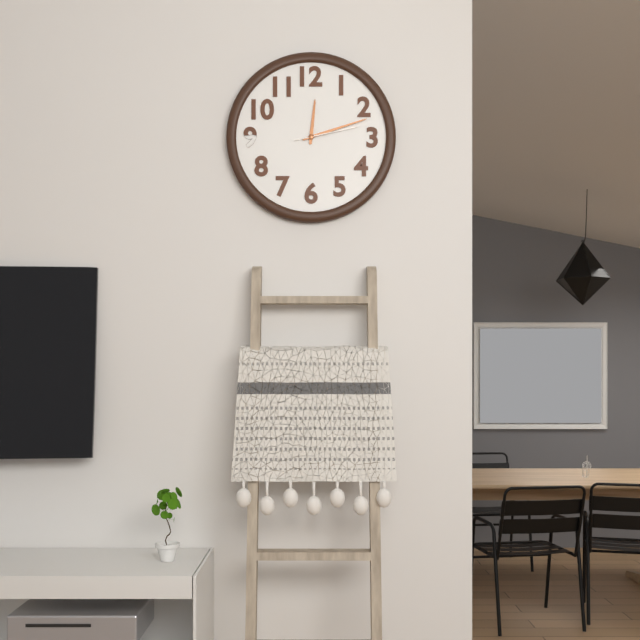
12:12:13
